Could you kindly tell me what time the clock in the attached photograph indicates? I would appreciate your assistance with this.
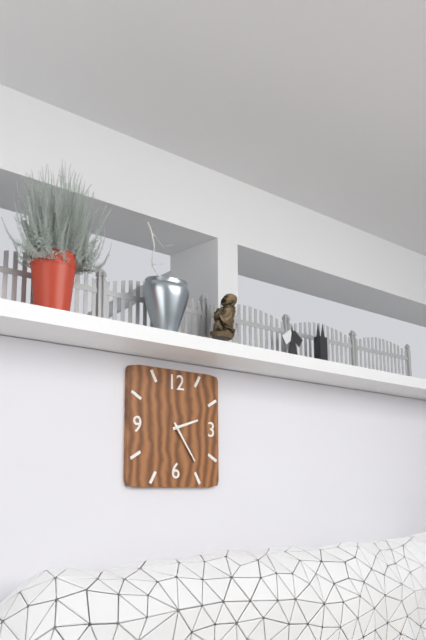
2:24
